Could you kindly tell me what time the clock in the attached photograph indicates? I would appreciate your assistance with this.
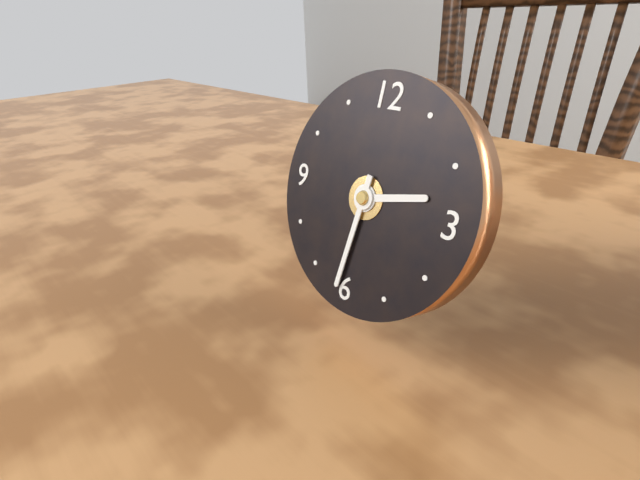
2:31
